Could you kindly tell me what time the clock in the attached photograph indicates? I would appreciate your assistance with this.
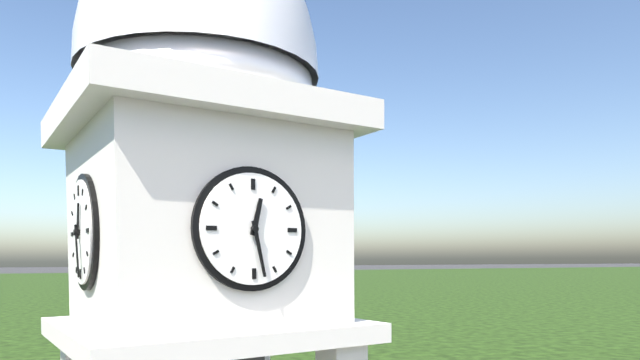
12:28
